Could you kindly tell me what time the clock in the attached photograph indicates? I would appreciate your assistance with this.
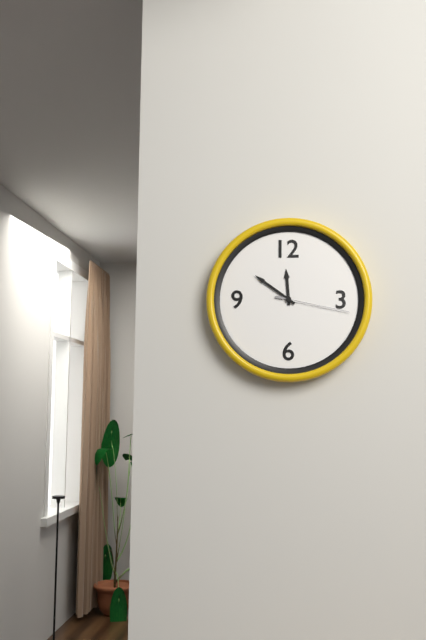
11:51:17
